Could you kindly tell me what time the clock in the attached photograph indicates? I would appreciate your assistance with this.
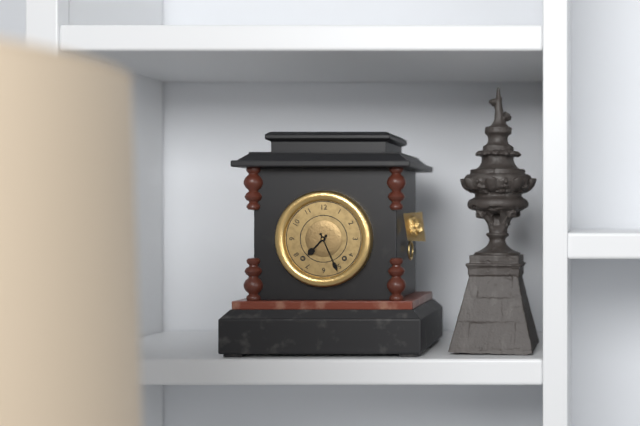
7:26
